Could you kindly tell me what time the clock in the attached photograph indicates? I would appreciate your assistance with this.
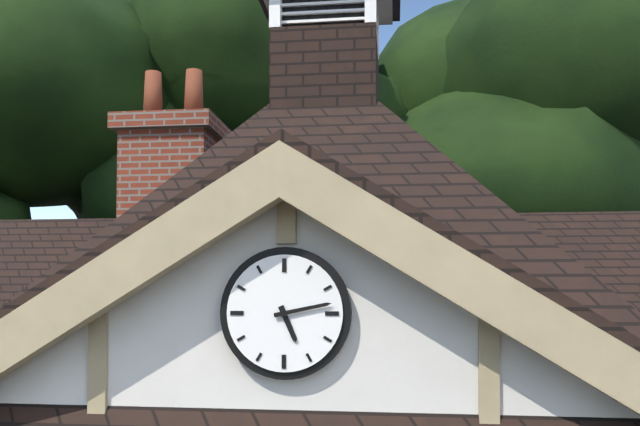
5:13
